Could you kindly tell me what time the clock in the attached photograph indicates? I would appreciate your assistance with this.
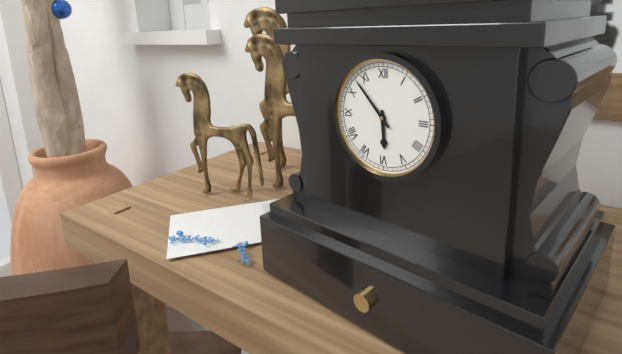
5:53
